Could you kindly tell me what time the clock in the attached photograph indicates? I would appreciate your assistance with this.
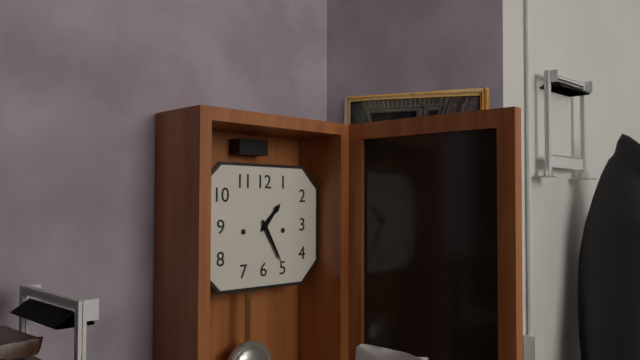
1:25
